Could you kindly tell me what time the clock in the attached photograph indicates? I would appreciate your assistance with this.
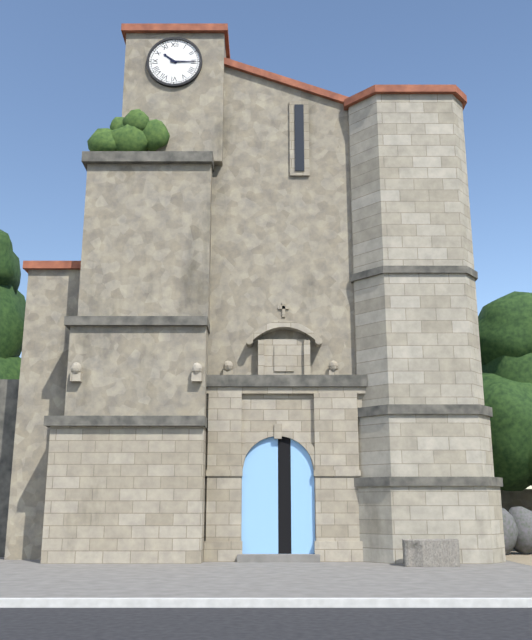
10:15
